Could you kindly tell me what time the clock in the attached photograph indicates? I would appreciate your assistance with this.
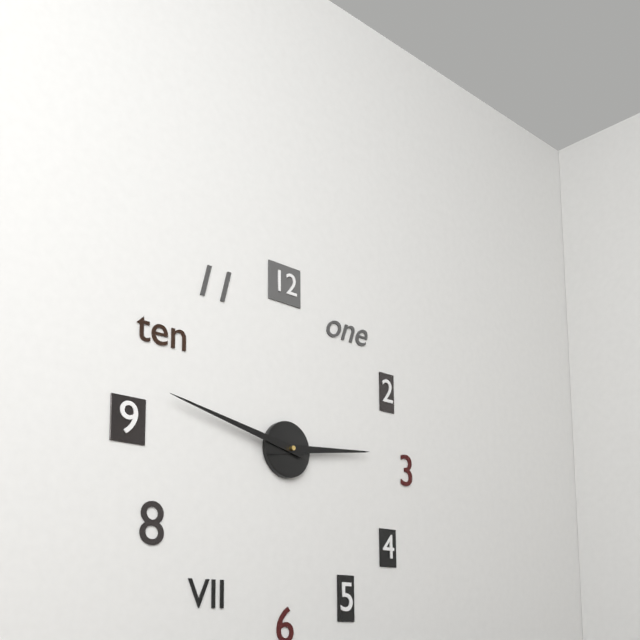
2:47
